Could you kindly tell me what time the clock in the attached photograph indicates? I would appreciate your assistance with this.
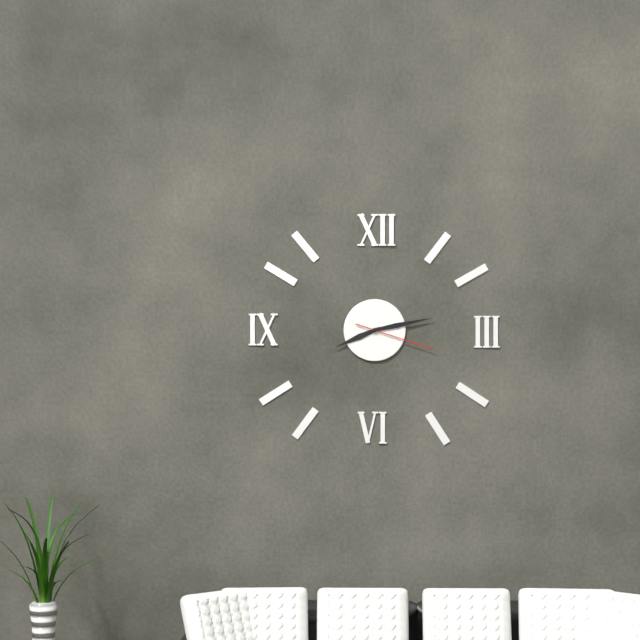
8:13:18
